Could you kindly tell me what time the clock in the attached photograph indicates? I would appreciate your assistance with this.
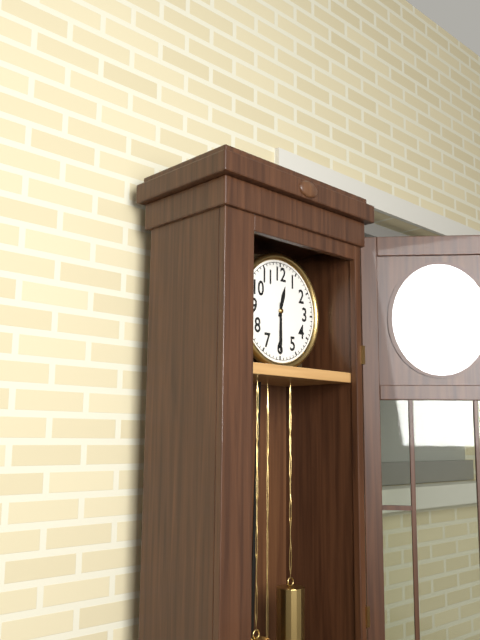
12:30
